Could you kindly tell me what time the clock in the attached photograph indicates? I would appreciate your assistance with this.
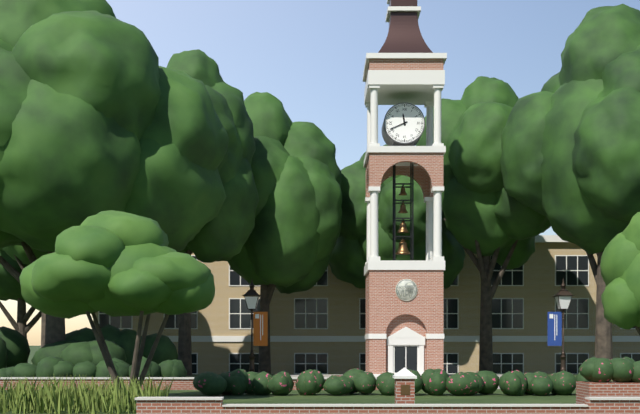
11:41
